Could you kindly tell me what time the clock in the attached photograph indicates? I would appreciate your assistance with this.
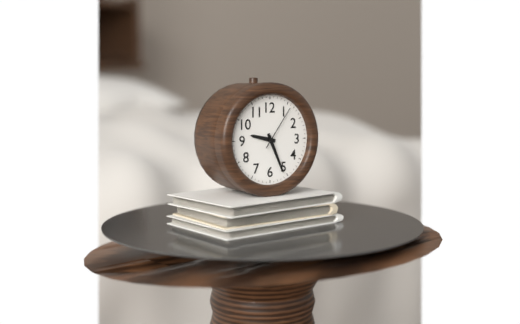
9:26
